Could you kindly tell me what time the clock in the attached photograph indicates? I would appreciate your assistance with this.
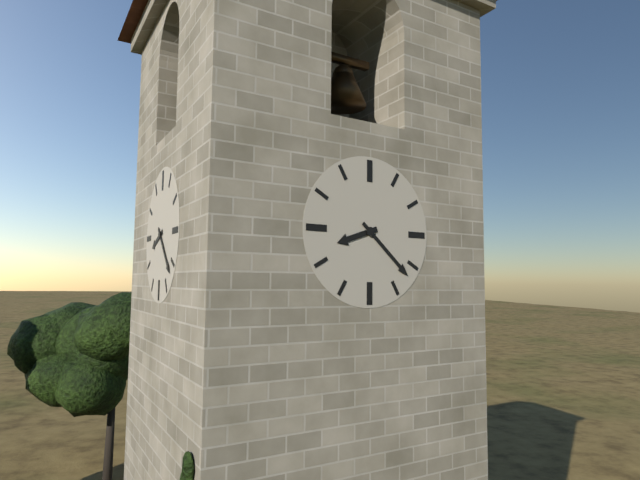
8:22
